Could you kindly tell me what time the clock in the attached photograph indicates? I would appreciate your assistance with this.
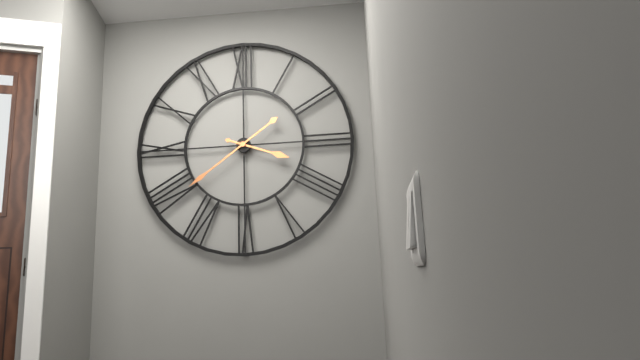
3:39
